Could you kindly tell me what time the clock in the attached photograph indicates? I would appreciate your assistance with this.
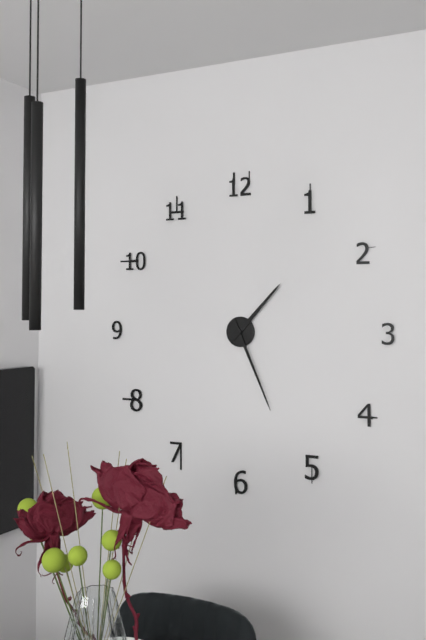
1:26
